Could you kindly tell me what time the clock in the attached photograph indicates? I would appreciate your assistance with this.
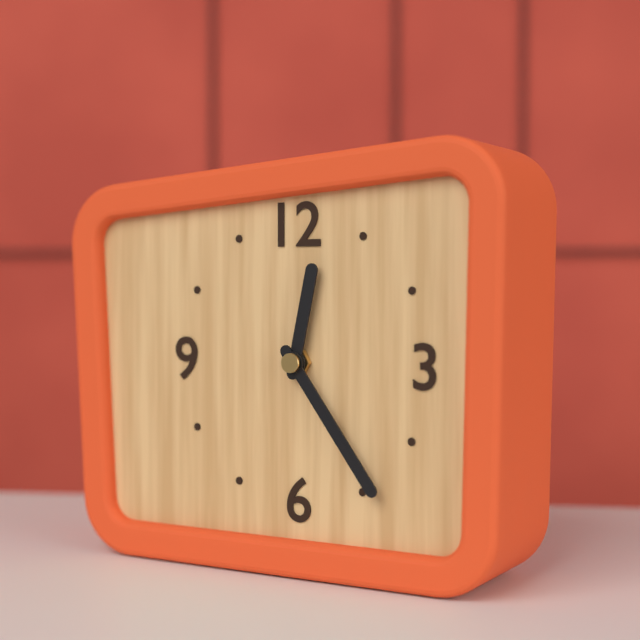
12:24
